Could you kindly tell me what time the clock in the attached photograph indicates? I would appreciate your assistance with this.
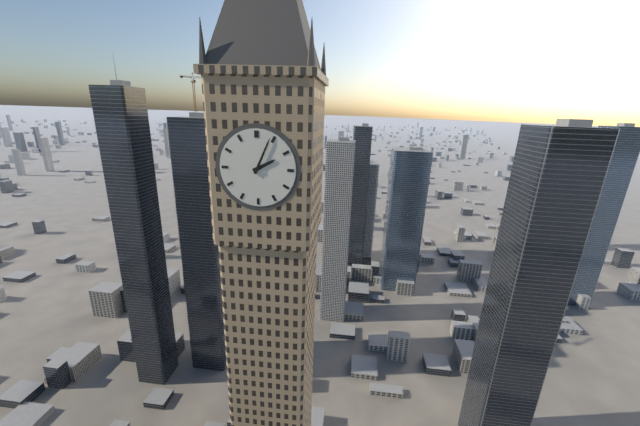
2:04
